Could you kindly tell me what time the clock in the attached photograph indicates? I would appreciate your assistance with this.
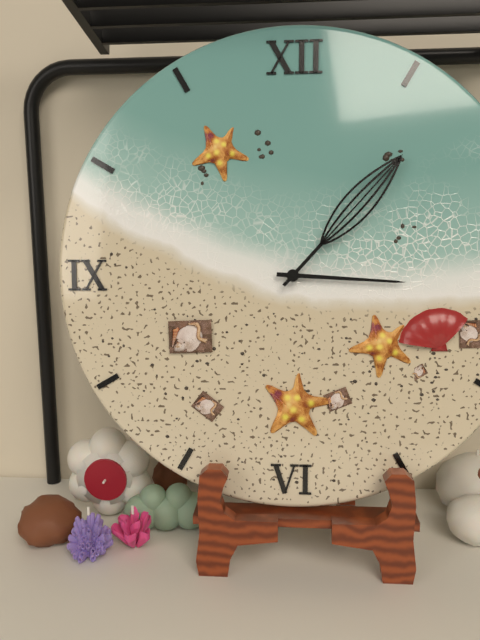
3:07
